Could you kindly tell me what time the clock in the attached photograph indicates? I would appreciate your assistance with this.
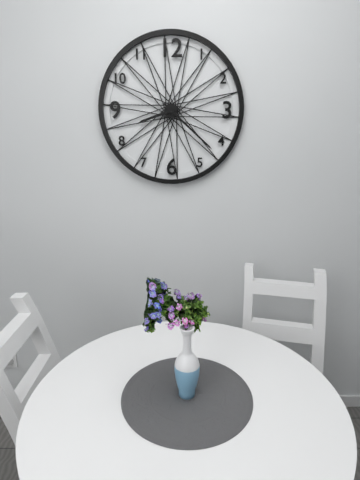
8:22
